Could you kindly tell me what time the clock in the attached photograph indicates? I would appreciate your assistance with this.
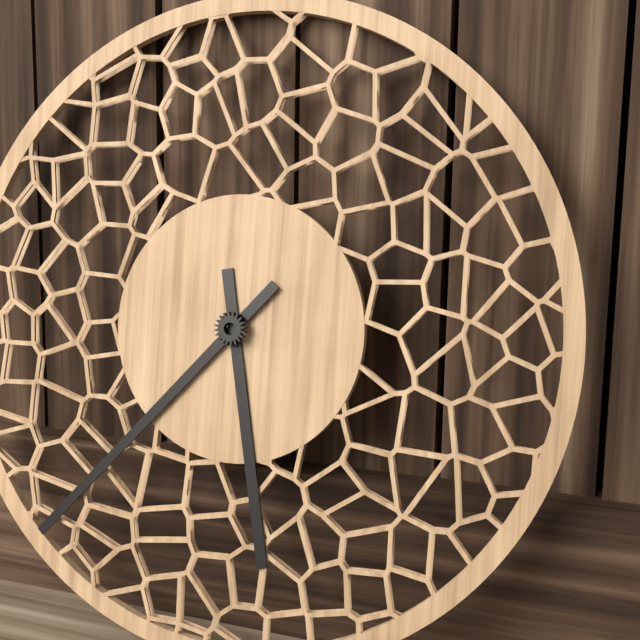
5:37
